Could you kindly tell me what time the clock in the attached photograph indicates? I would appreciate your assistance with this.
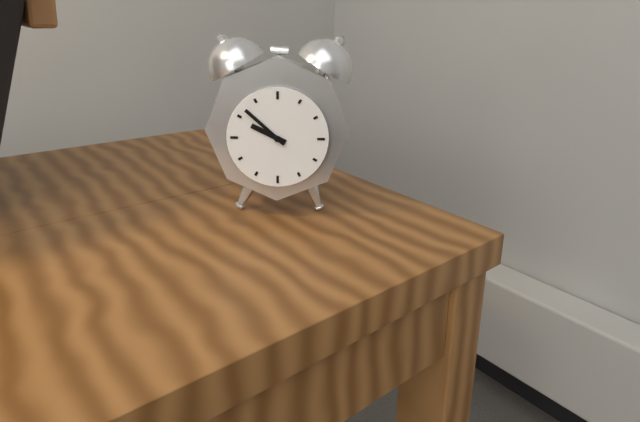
9:52
